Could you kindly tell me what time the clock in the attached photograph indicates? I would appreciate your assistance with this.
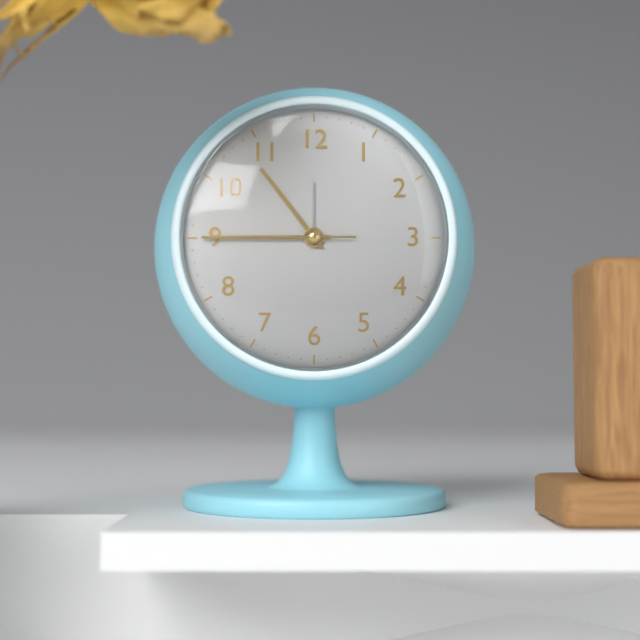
10:45:45
